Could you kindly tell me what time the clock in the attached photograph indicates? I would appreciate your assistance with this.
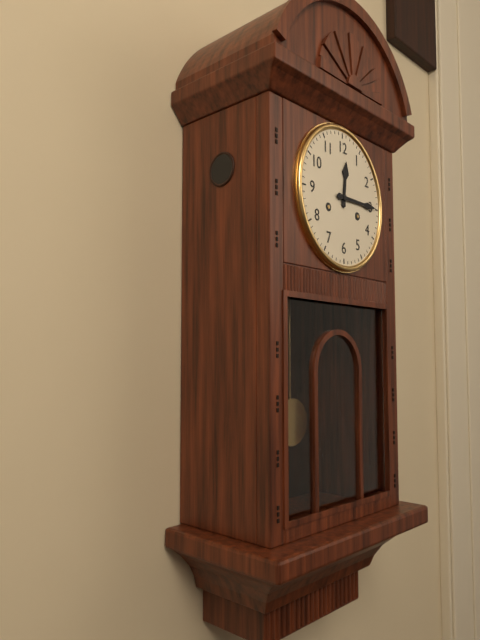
12:15
